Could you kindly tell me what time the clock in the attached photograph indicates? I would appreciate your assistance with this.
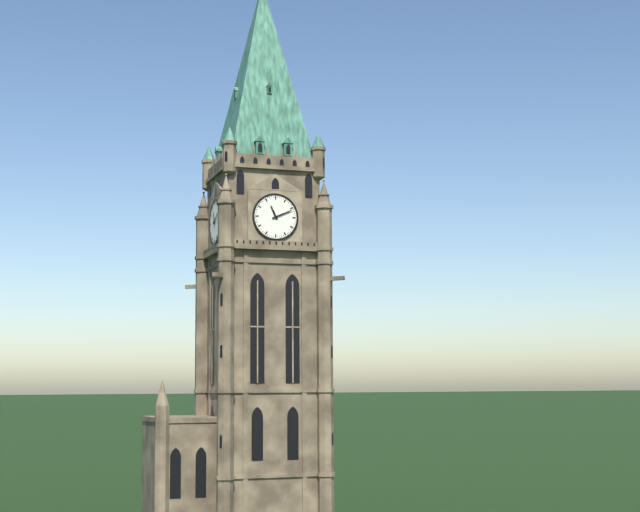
11:11
